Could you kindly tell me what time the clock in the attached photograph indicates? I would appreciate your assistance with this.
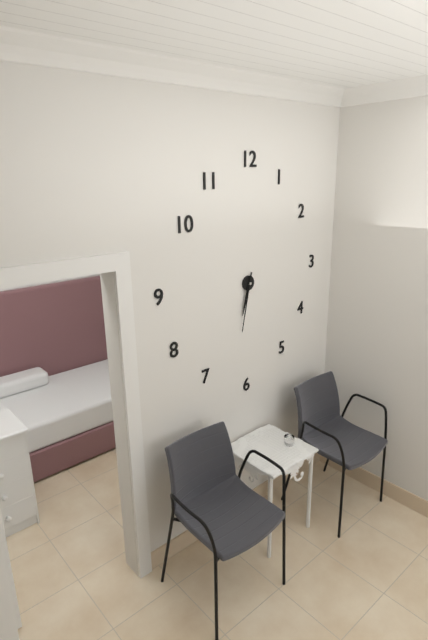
6:32
